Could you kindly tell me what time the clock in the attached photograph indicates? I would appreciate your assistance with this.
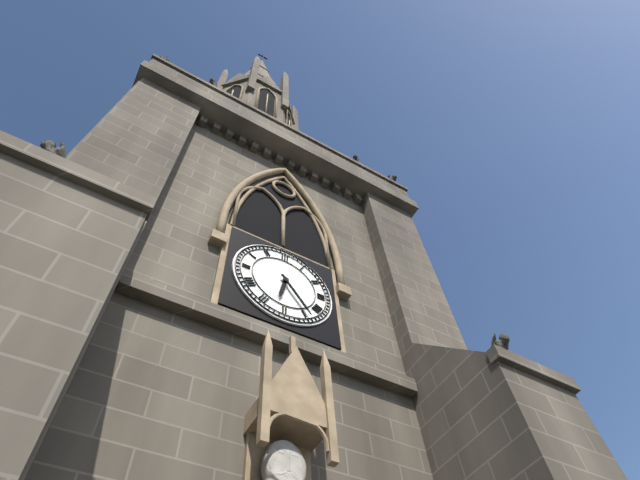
6:24
